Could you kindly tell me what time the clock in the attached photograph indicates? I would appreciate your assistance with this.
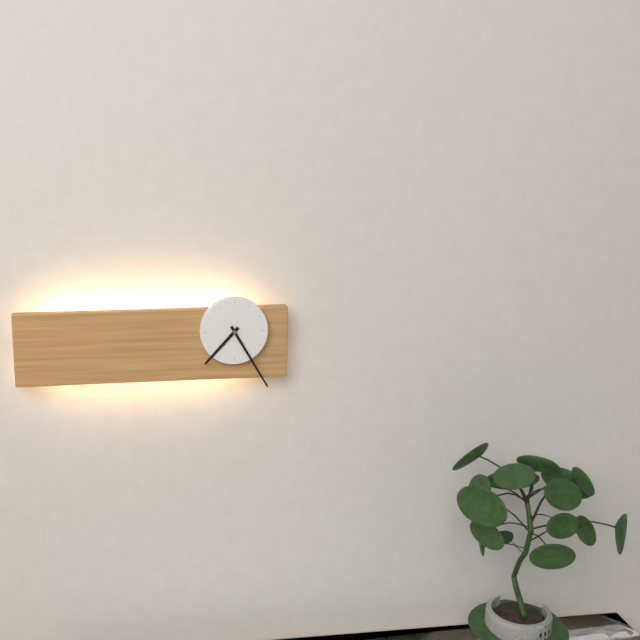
7:25
